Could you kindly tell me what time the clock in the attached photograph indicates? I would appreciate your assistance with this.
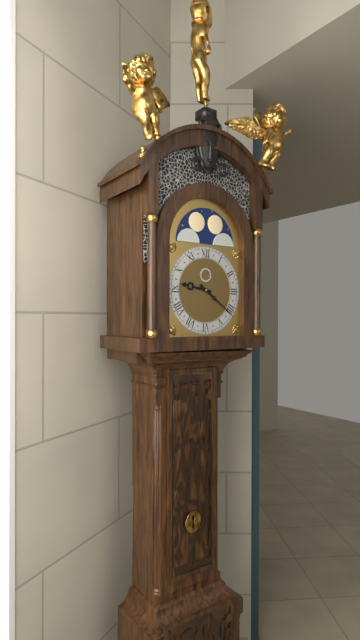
9:21
